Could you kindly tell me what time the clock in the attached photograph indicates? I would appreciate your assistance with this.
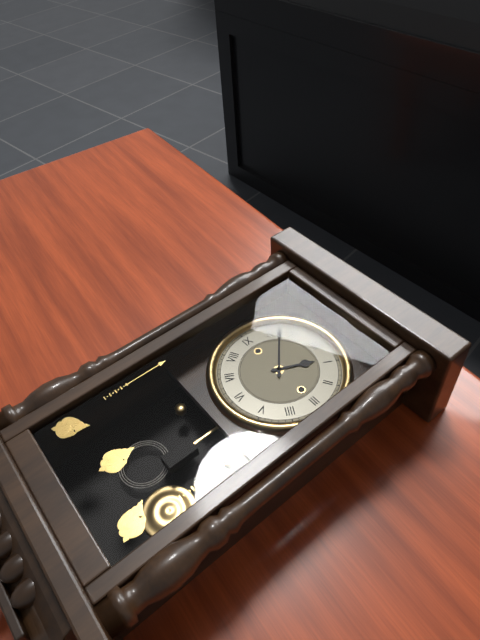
12:52
